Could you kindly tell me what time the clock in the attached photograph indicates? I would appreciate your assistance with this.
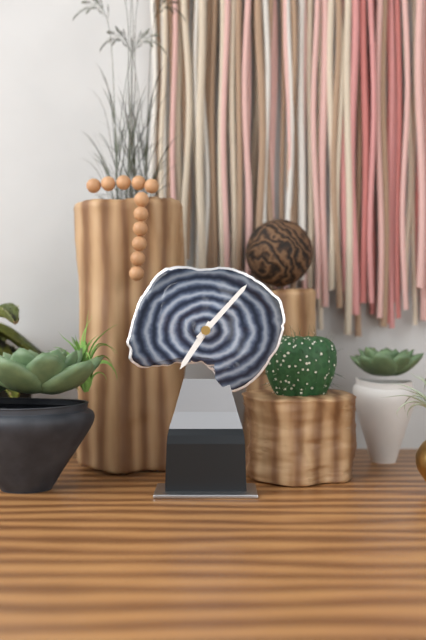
7:07
